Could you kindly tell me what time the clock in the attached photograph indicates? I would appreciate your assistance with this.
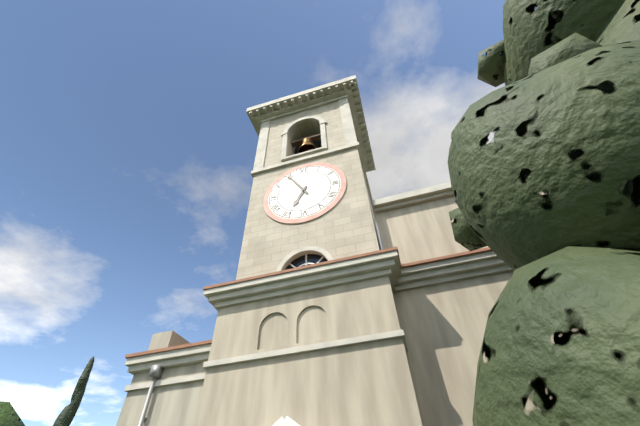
6:55
